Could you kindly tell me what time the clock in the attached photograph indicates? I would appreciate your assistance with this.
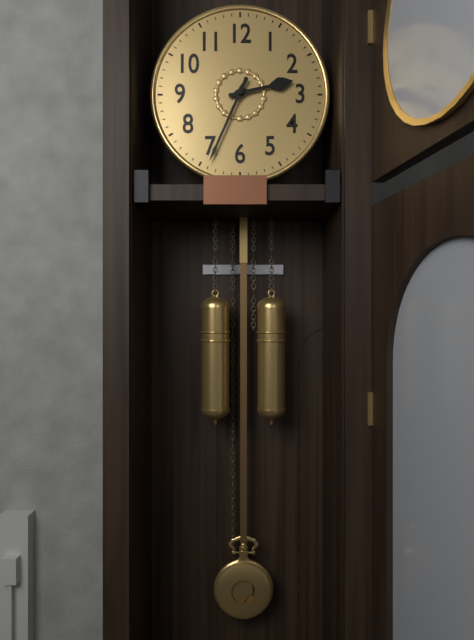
2:34
